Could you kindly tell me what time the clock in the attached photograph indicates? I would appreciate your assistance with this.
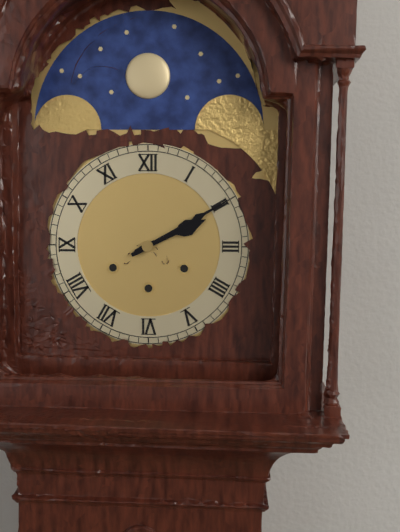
2:10
